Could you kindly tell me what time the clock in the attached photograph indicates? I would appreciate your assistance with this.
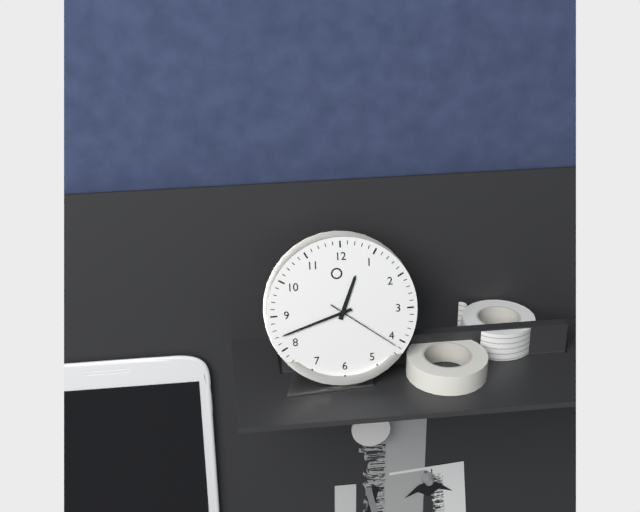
12:42:21
